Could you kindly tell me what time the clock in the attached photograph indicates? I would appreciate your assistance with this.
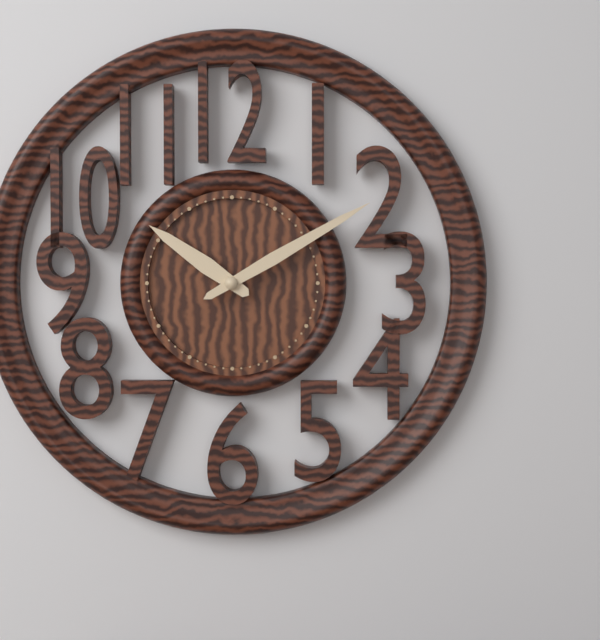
10:10
